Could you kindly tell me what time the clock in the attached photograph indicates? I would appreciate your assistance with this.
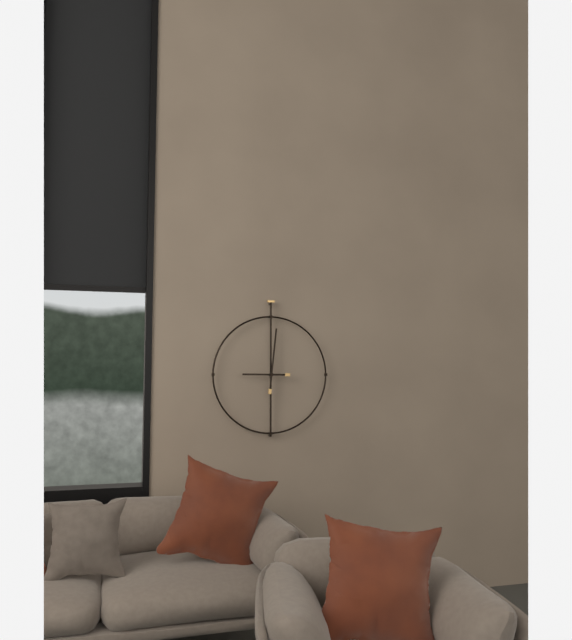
9:01
